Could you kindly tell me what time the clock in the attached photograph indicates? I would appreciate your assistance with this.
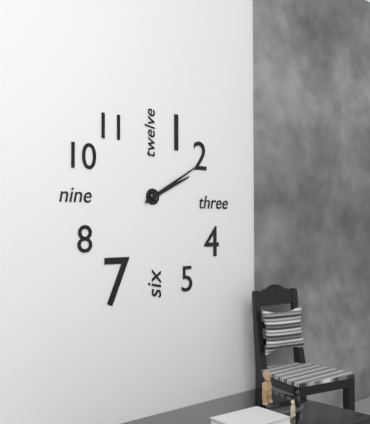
2:10
